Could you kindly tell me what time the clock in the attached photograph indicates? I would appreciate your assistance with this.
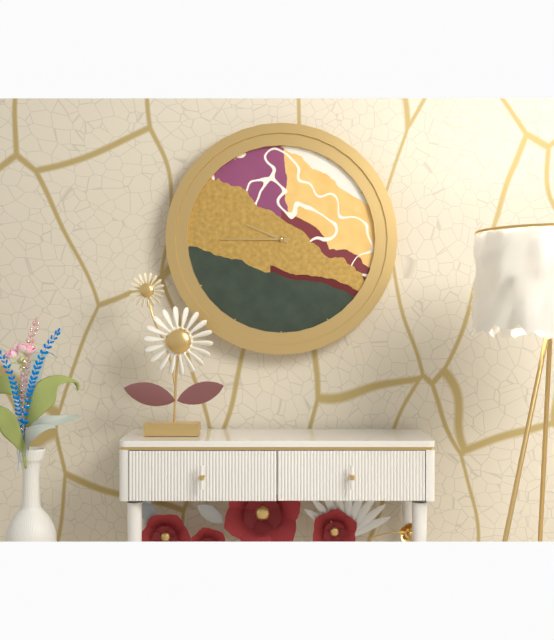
9:45
